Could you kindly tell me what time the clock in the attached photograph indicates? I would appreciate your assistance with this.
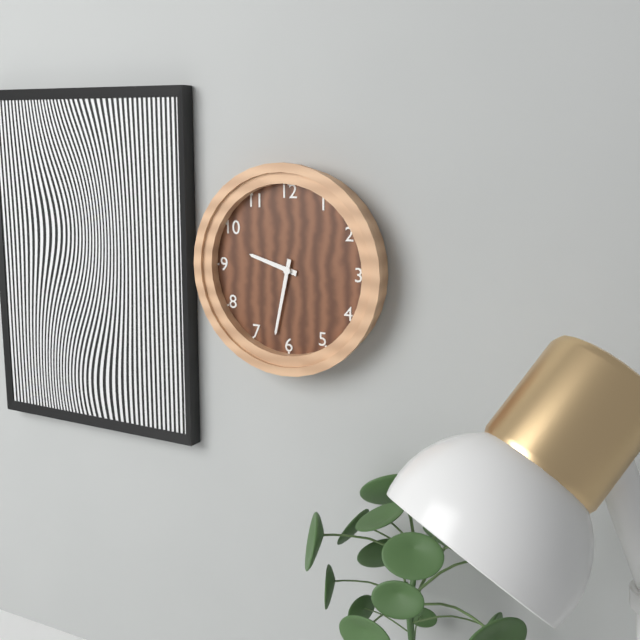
9:32
